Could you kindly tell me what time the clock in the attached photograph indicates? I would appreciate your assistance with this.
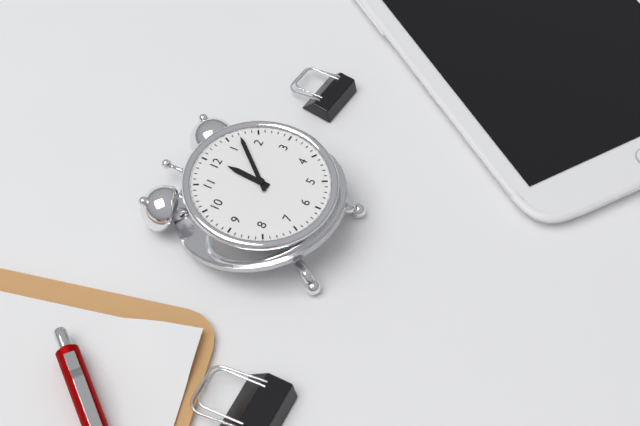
12:07
